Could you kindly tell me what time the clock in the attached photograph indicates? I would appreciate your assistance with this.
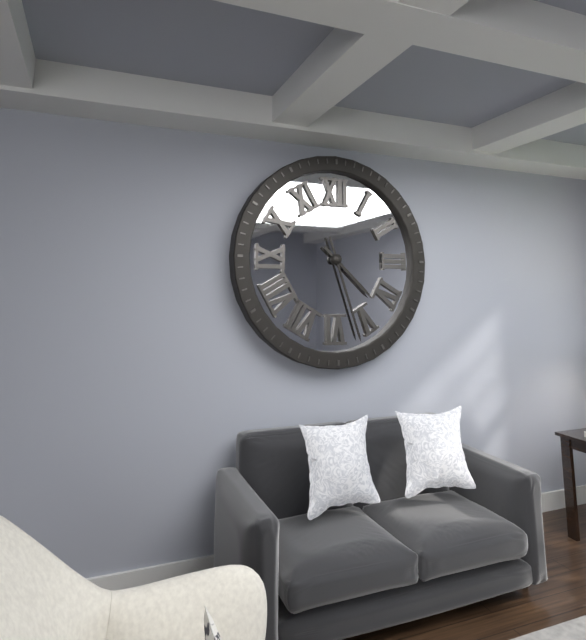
4:27
